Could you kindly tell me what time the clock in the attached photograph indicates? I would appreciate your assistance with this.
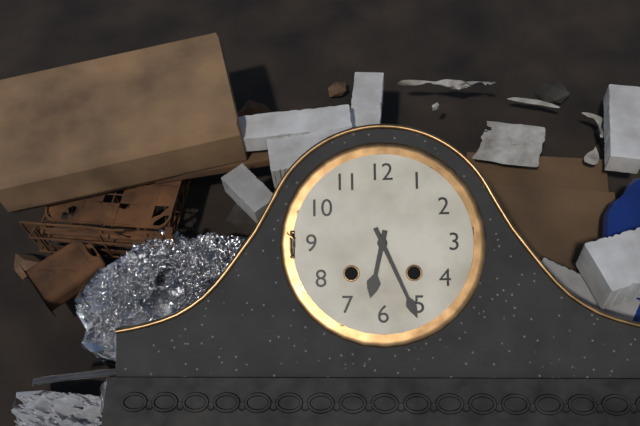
6:26
